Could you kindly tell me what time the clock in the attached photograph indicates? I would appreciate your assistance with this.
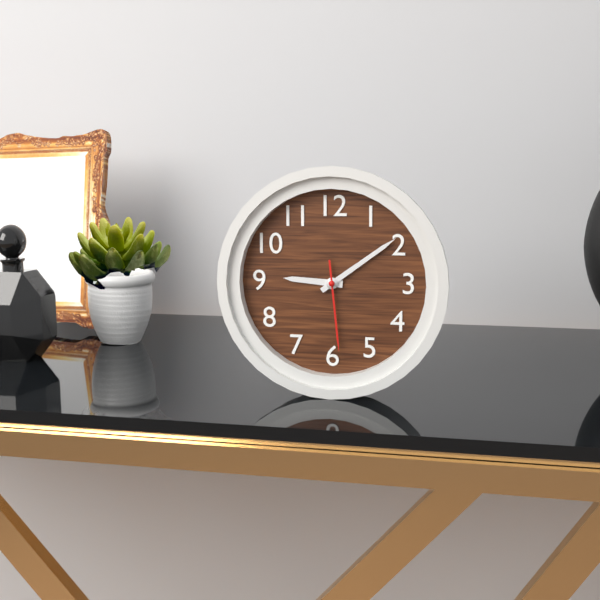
9:09:29
